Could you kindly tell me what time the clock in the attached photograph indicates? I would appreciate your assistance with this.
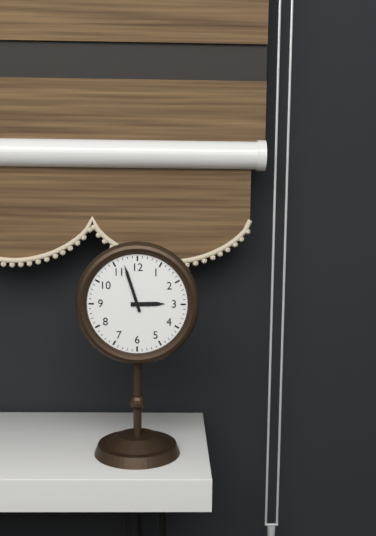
2:57
